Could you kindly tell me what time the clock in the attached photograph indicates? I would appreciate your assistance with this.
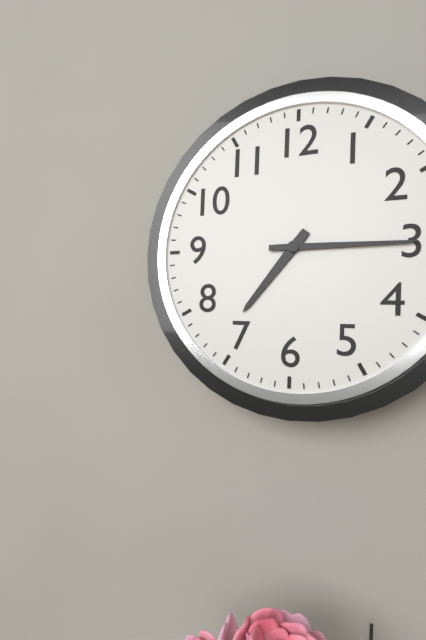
7:15
